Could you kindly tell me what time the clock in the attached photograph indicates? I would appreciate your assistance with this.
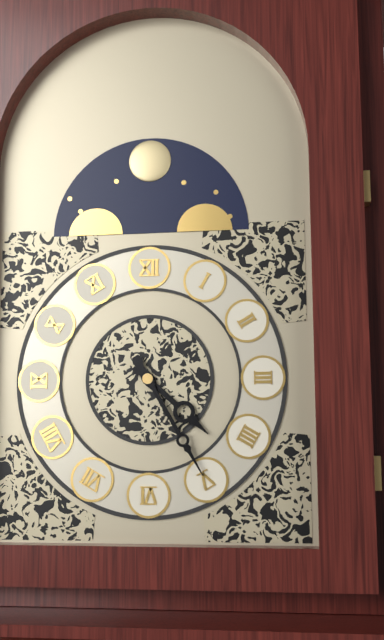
4:25
